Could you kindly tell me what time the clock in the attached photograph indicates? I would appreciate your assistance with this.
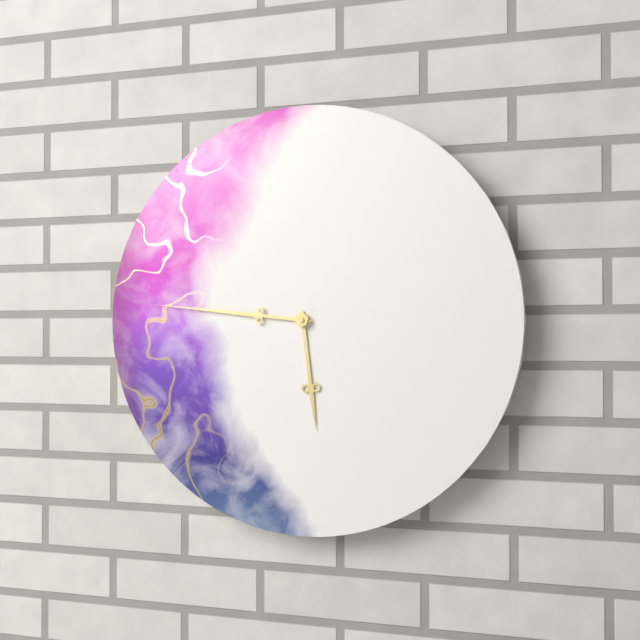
5:46
